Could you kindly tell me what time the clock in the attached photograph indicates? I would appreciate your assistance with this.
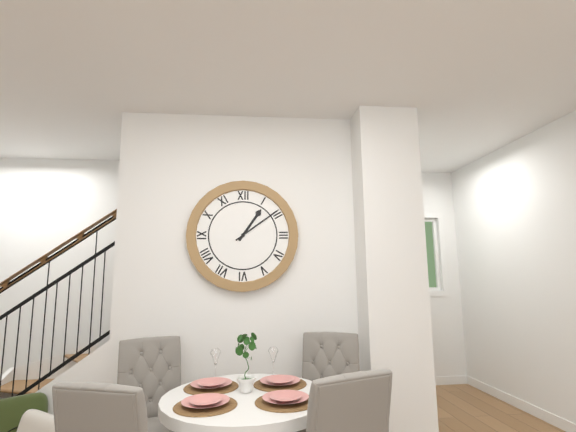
1:09
